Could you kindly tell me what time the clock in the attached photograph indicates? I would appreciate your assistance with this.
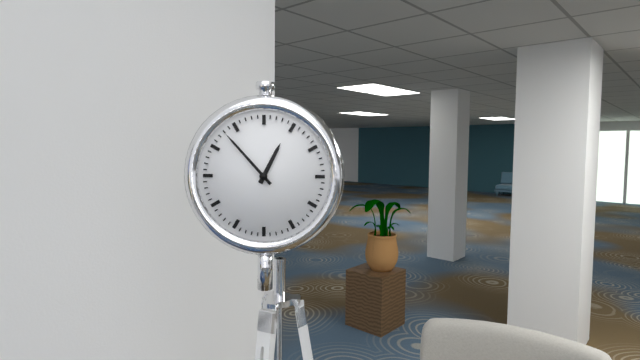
12:53
